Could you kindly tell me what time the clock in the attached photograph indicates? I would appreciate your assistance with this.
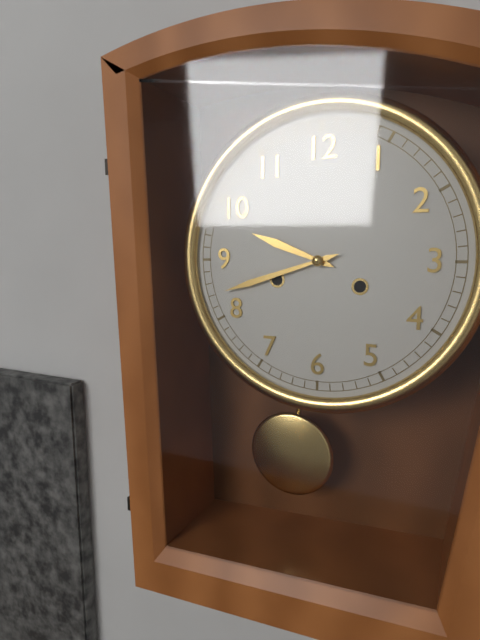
9:42
